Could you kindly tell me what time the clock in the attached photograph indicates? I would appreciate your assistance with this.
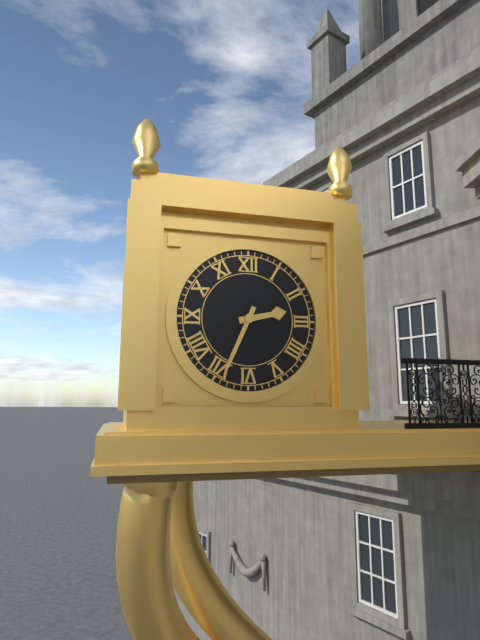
2:34
